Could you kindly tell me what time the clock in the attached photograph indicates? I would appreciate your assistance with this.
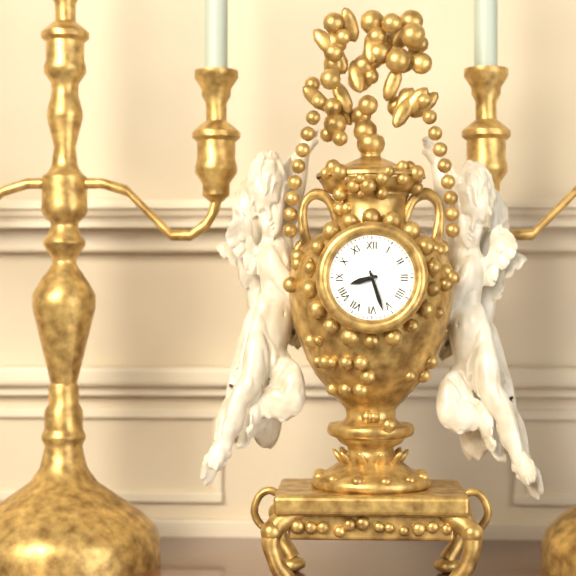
8:27
